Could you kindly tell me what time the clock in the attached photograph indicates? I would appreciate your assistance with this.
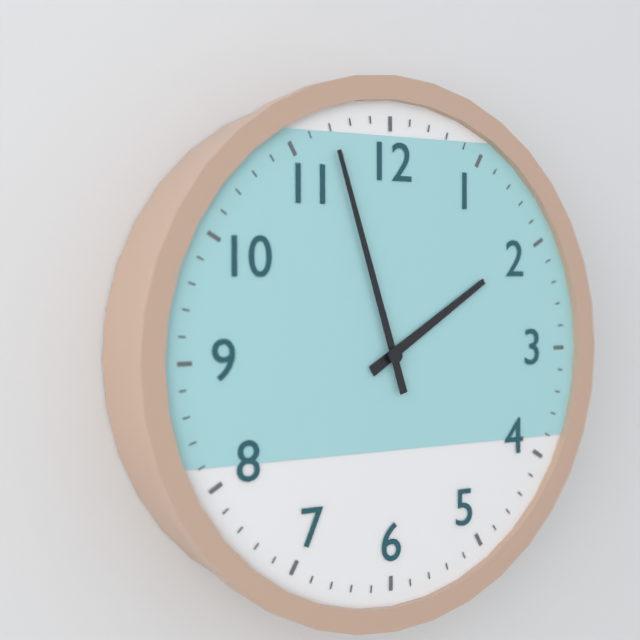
1:57
